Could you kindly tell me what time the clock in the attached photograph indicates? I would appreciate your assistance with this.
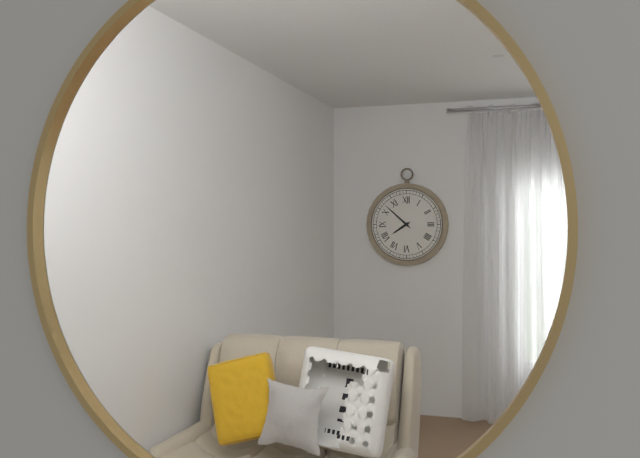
7:52
